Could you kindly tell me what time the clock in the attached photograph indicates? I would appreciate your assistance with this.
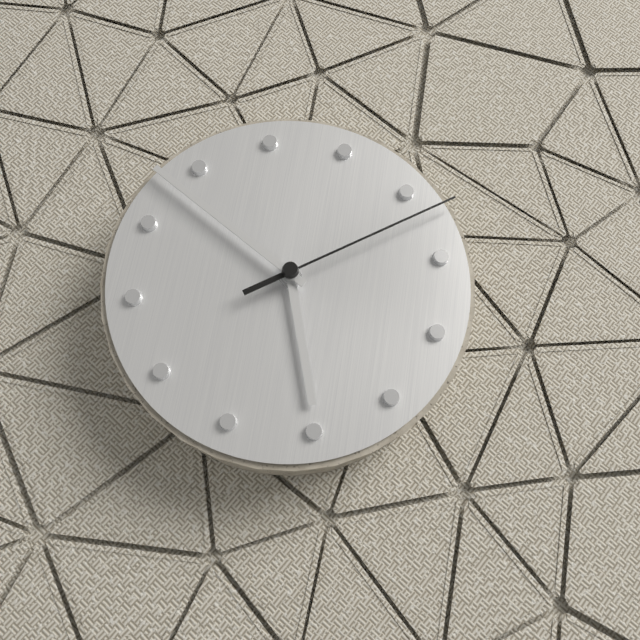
6:58:17
